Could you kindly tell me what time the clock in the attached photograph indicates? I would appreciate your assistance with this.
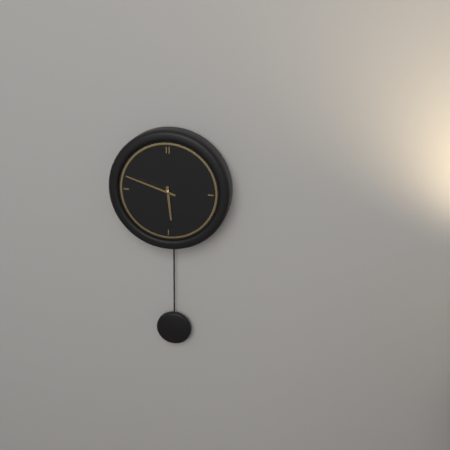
5:48
